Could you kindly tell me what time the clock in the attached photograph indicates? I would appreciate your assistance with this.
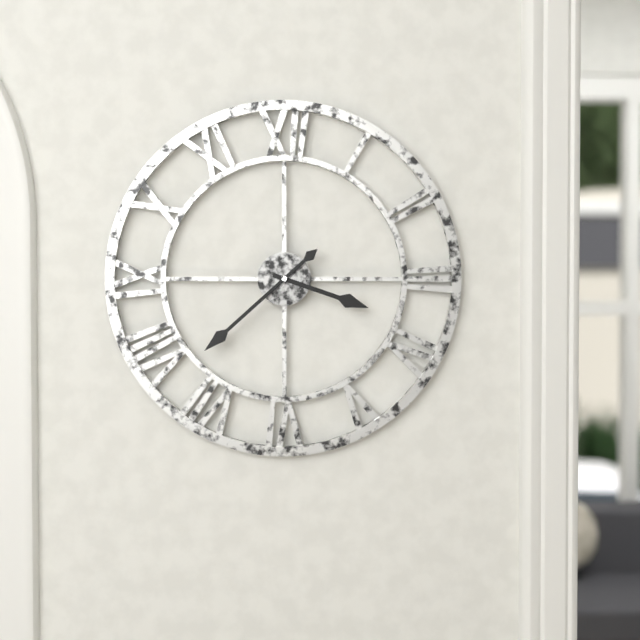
3:38
